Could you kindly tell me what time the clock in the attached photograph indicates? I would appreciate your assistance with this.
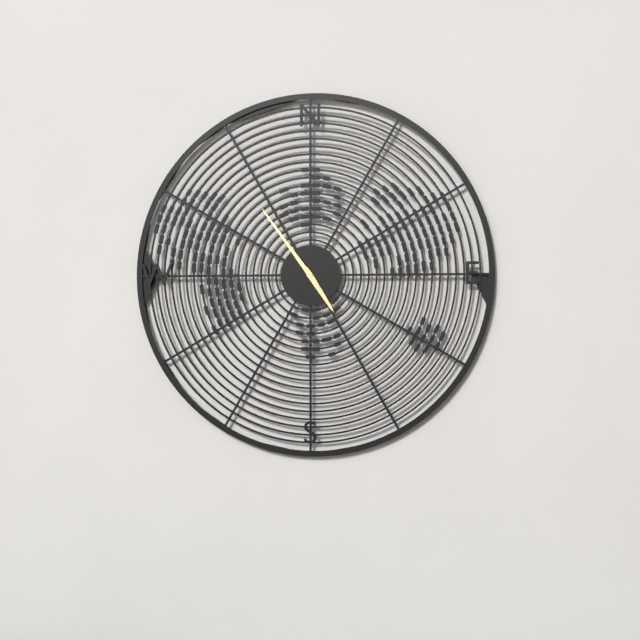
4:54
